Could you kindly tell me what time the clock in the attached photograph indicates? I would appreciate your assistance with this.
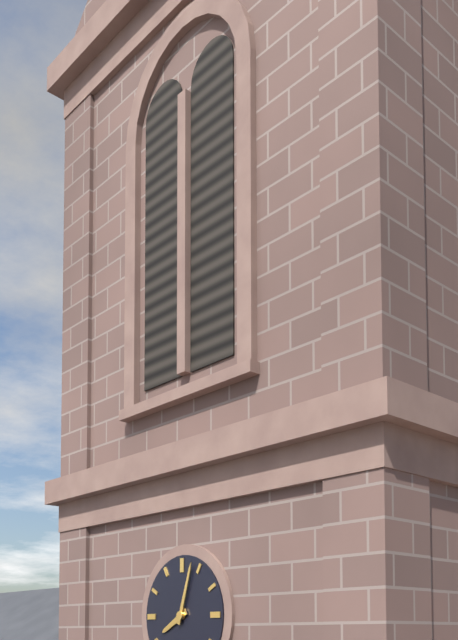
8:03
